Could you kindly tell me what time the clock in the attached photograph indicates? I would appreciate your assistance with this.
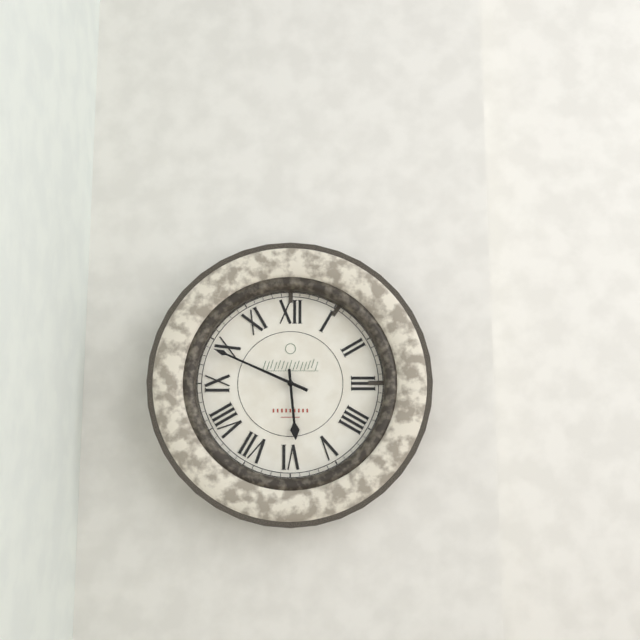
5:49
